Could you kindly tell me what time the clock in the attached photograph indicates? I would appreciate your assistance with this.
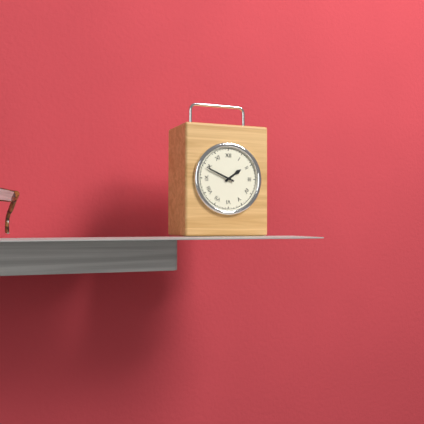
1:49
